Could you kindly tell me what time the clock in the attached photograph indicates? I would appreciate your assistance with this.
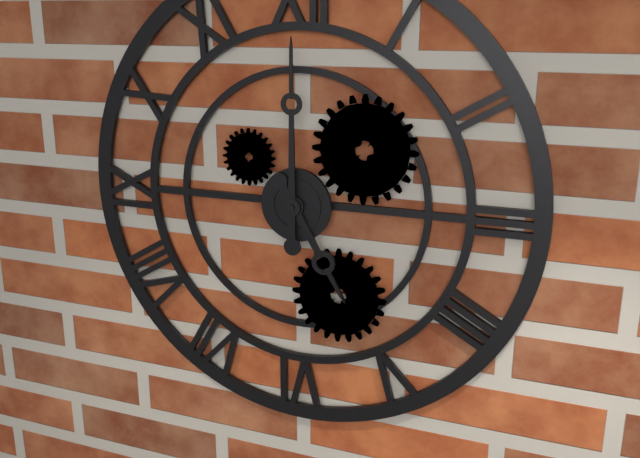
5:00
